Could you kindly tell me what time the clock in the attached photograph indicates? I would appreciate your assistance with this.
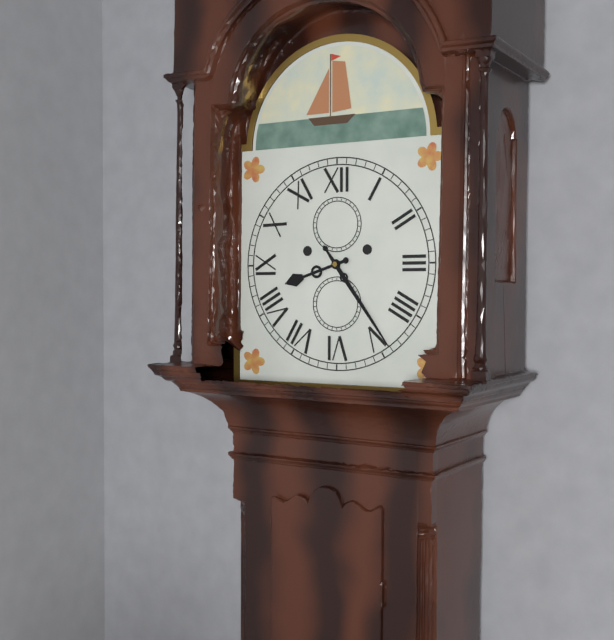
8:24
